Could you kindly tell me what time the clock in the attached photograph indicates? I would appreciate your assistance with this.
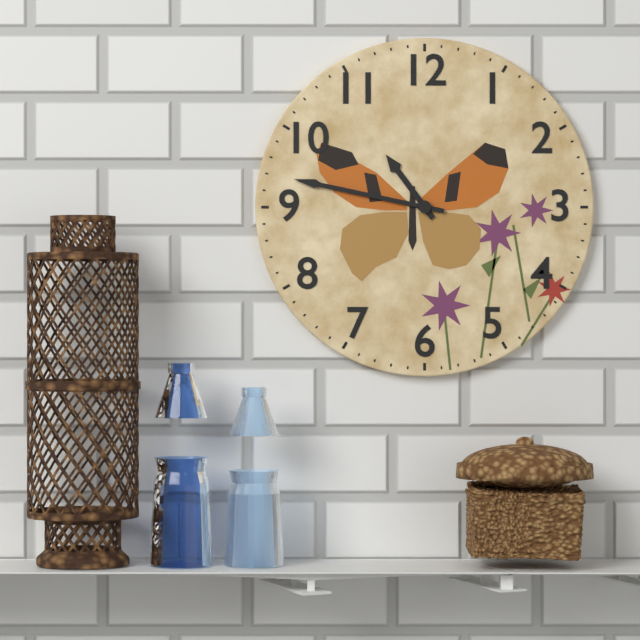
10:47
